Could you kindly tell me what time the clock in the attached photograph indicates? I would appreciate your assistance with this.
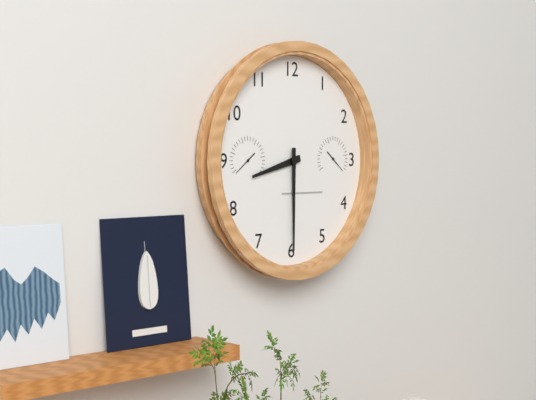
8:30
